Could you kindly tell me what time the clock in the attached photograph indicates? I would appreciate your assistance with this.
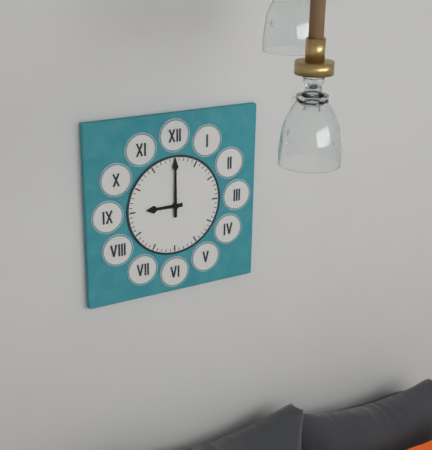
9:00
